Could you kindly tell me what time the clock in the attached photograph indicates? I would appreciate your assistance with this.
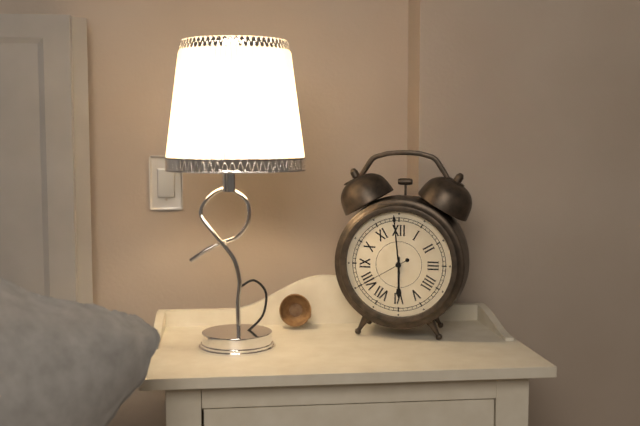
5:59:40
